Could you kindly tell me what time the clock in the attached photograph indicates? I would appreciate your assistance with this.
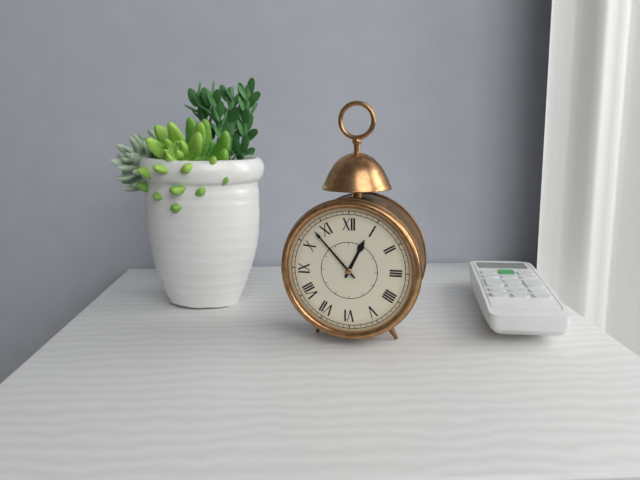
12:53
